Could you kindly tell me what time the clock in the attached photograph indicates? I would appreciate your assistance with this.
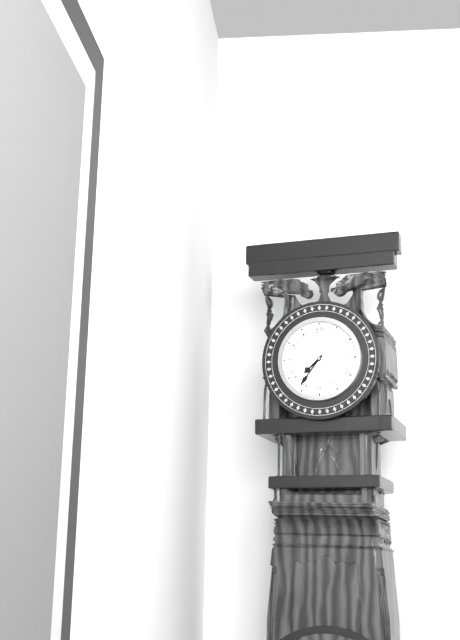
7:36
